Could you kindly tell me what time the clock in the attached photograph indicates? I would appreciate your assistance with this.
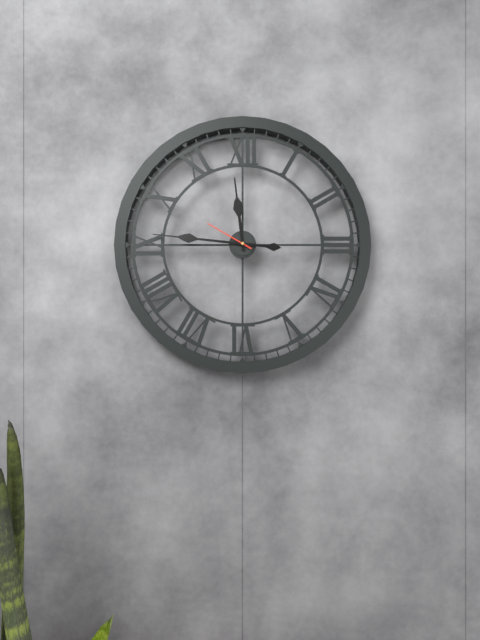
11:46:50
